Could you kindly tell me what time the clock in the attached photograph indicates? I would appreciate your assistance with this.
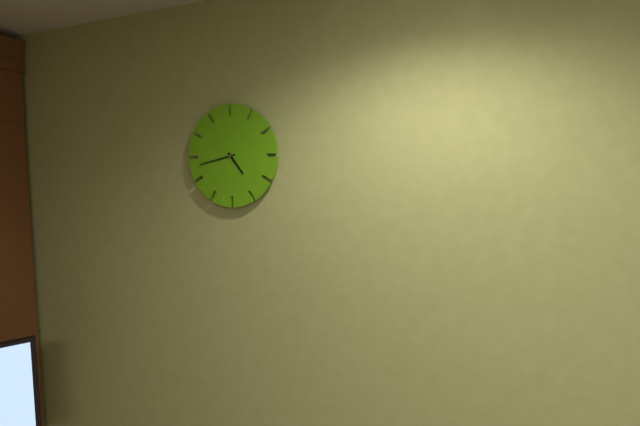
4:43
